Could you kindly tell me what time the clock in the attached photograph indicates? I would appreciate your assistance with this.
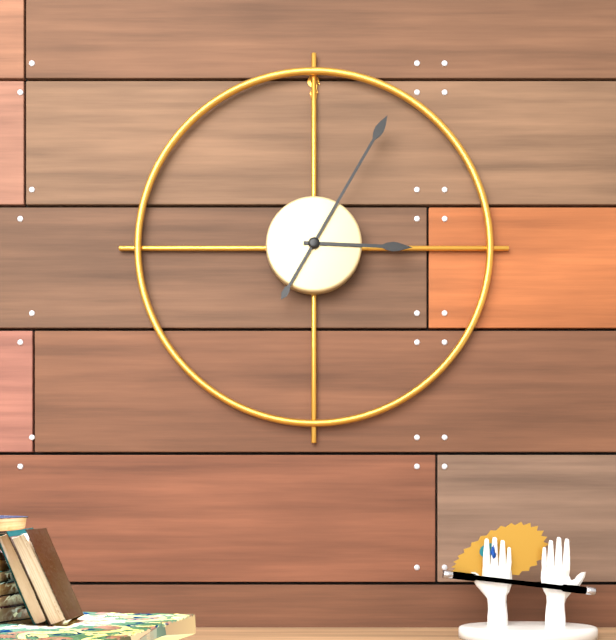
3:05
